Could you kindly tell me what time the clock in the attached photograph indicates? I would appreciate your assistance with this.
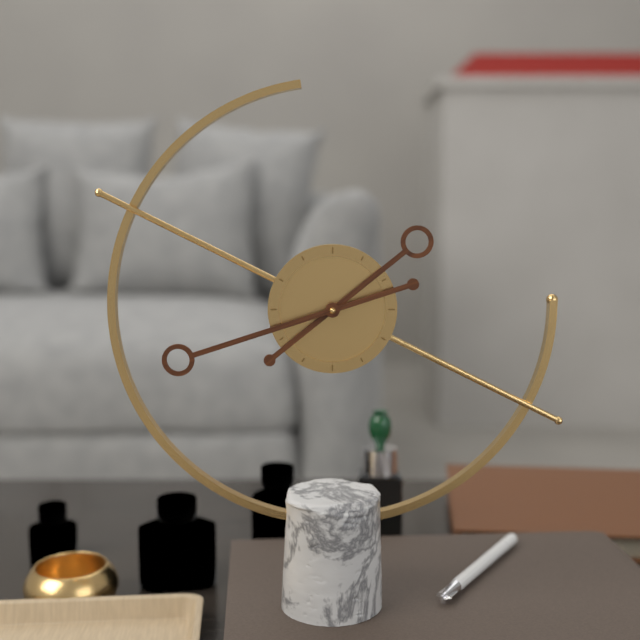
1:42
